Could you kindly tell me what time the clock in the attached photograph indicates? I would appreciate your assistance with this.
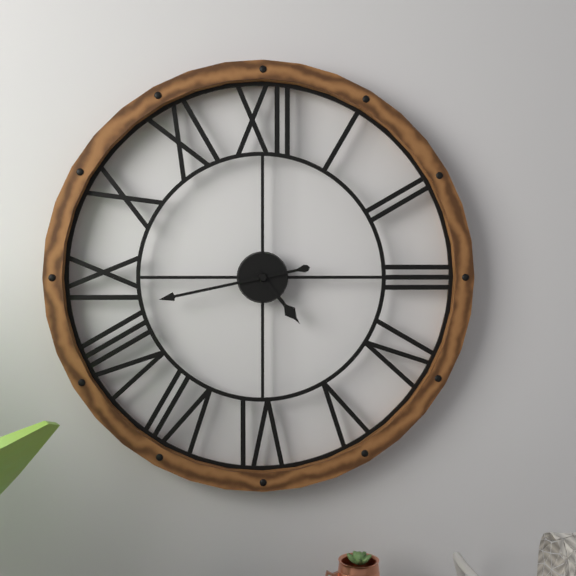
4:43
